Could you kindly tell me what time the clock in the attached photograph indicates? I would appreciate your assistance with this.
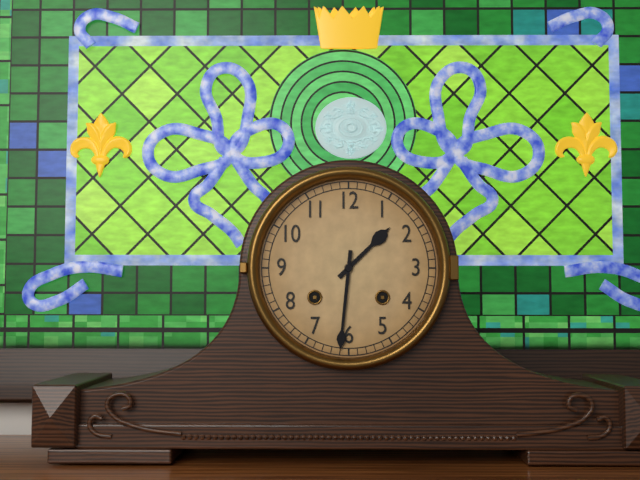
1:31
